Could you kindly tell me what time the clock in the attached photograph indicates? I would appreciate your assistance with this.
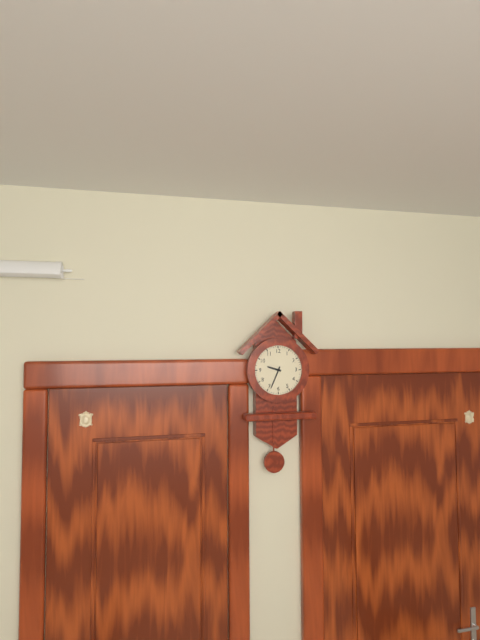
9:34
